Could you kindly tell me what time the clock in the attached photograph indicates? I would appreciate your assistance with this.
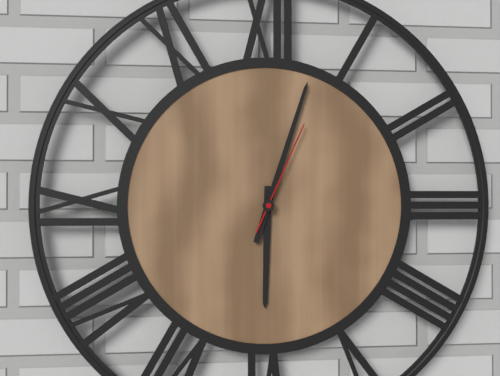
6:03:04
